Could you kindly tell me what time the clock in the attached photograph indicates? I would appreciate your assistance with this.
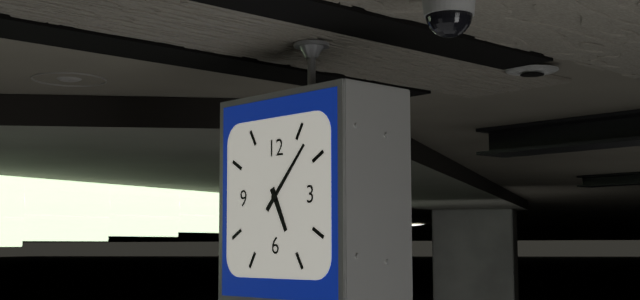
5:07
